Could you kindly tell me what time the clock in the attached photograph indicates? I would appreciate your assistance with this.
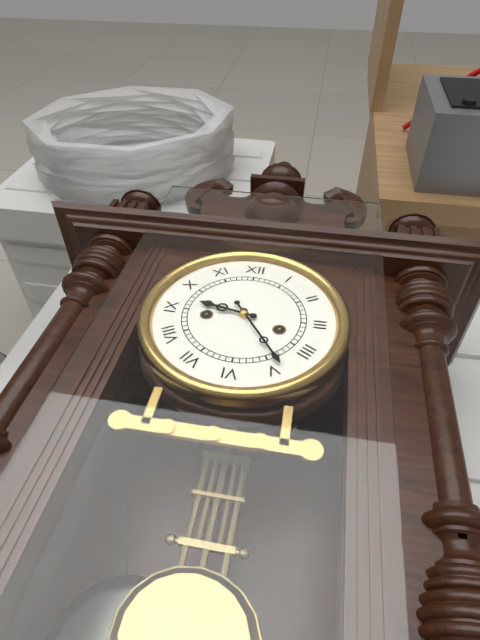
9:24
